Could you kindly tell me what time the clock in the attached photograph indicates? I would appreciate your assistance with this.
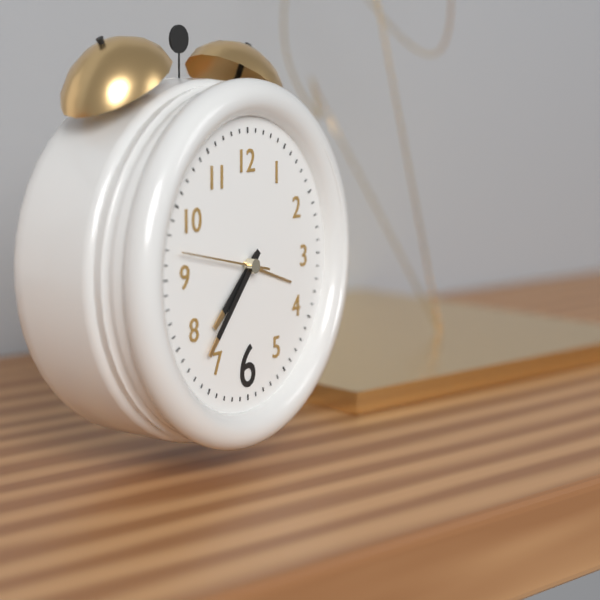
7:37:47
